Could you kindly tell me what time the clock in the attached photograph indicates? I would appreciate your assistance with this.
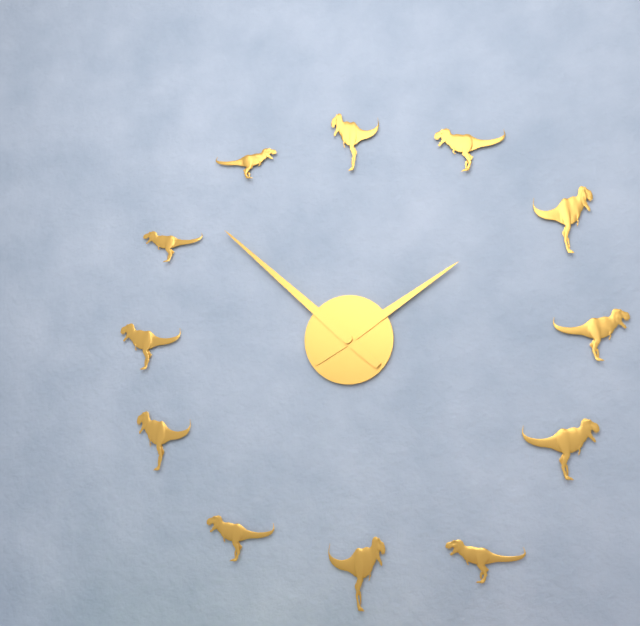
1:52
